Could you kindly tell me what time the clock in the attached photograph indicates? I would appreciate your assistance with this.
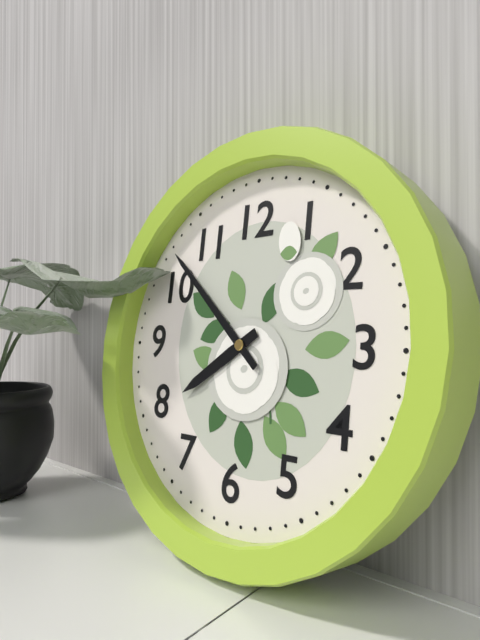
7:52
